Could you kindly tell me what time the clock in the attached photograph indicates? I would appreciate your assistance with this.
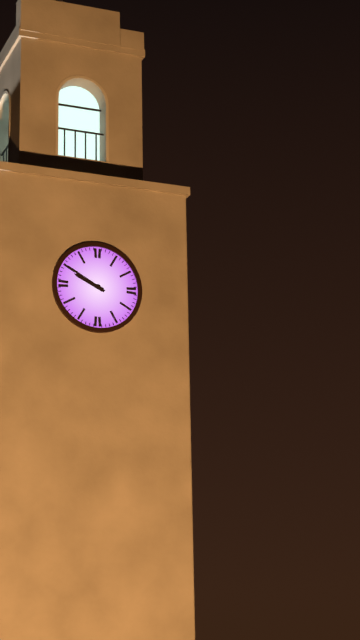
9:50
